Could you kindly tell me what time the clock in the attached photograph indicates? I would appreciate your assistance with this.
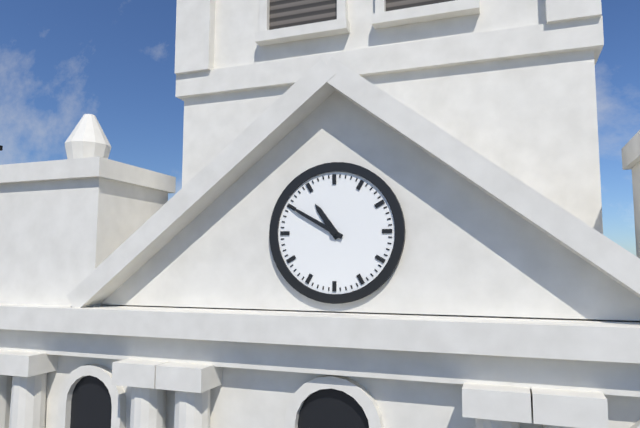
10:50
